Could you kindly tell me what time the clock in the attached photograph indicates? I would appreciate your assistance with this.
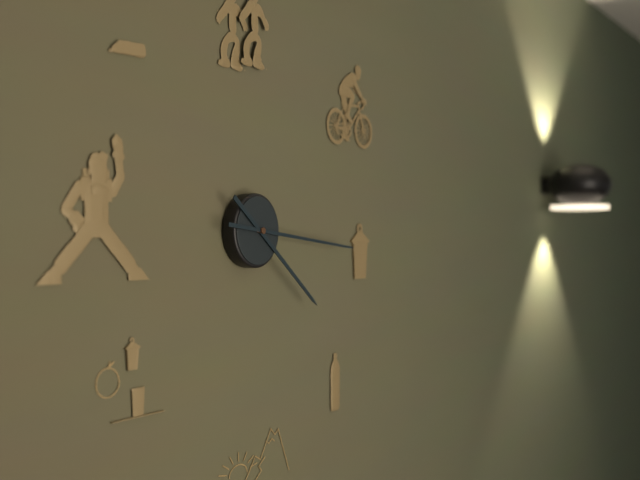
4:16
